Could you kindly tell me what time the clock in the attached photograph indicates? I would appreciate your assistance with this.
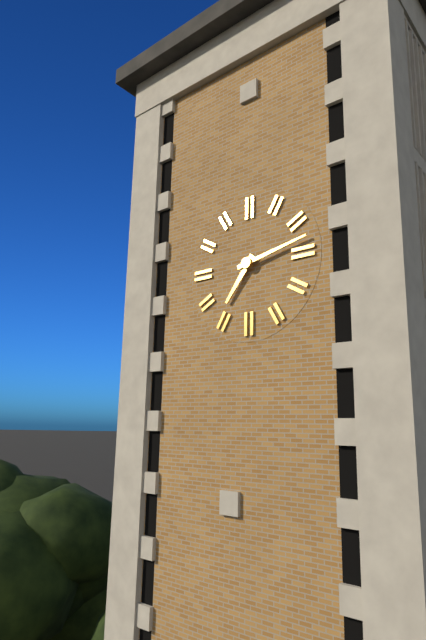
7:13
